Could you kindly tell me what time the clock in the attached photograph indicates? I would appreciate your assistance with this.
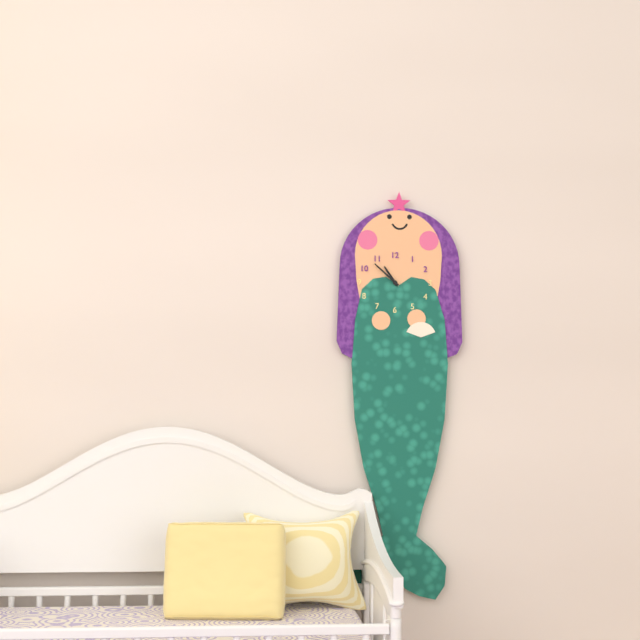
10:52
